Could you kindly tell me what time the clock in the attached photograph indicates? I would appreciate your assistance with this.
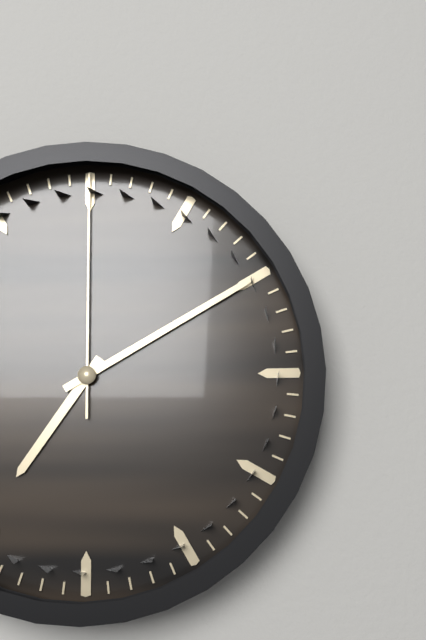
7:10:00
